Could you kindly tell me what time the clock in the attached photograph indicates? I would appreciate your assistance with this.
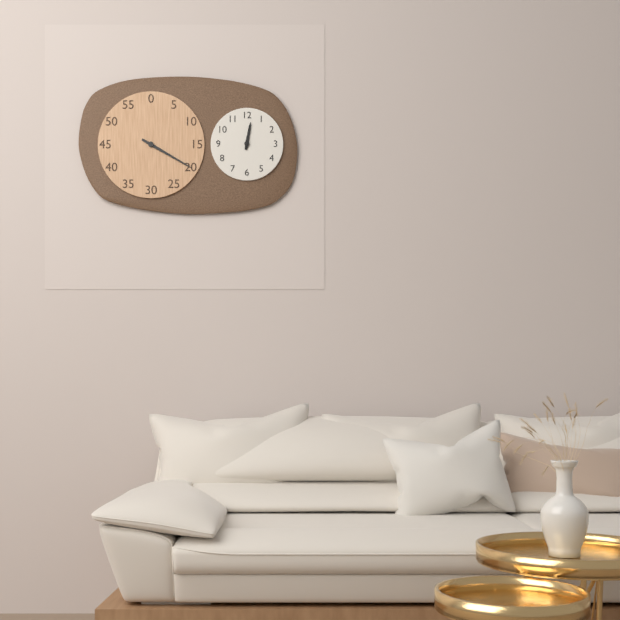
12:20
